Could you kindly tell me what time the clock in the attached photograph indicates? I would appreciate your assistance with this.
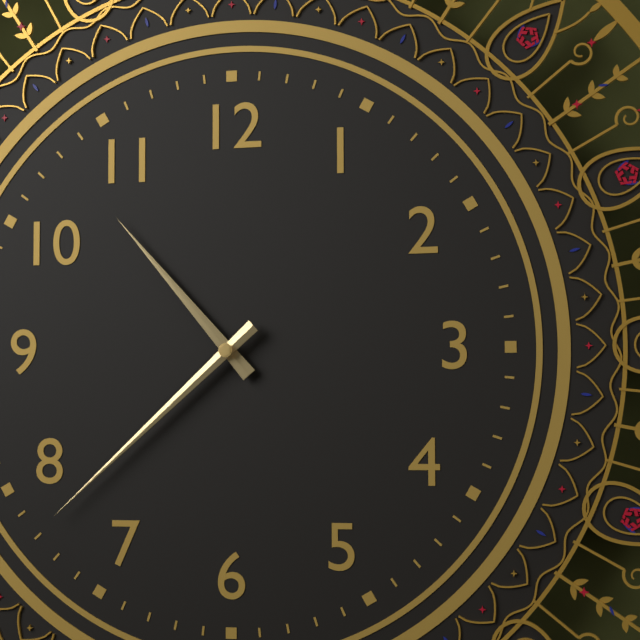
10:38
